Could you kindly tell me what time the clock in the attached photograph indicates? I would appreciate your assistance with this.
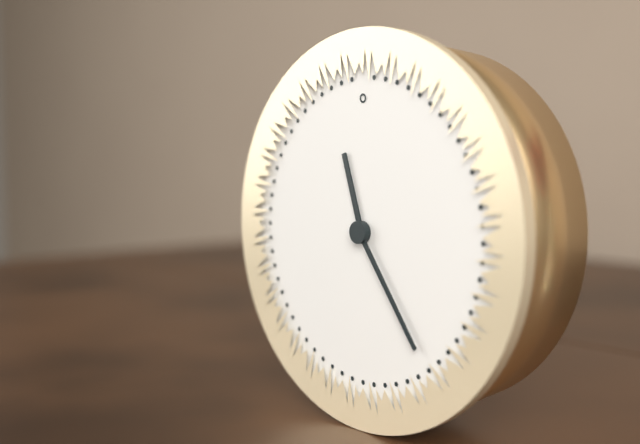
11:24
